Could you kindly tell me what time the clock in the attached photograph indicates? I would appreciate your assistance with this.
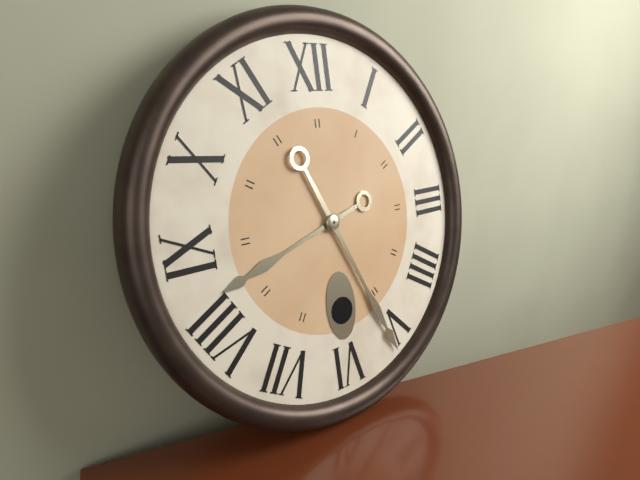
8:26
